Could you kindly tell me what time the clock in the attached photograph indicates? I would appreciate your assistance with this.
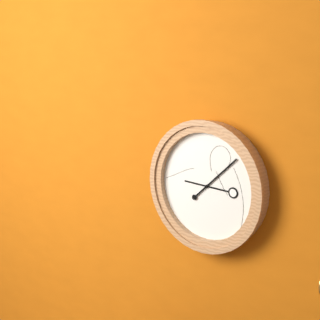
9:08
